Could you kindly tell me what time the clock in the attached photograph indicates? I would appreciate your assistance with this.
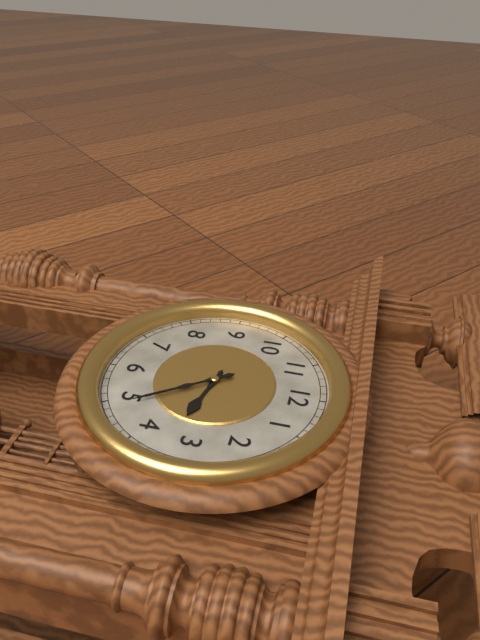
3:24
